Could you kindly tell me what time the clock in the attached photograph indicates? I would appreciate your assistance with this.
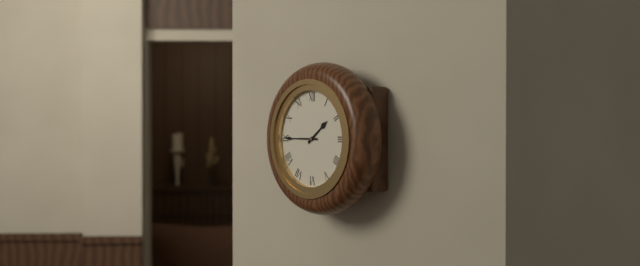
1:45
